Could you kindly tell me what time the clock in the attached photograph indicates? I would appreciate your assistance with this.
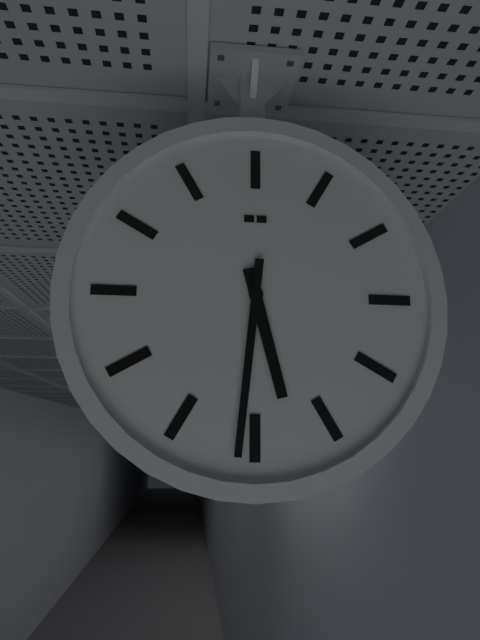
5:31
